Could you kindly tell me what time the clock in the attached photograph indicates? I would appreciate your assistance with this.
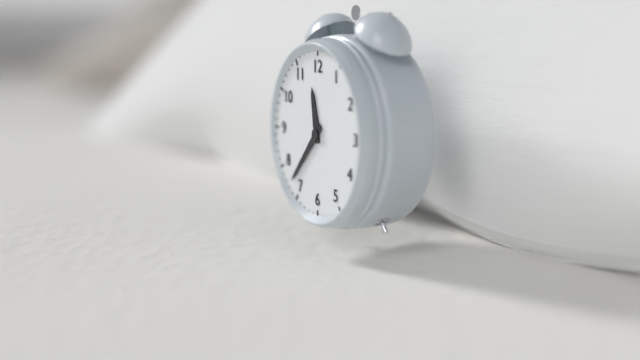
11:37
